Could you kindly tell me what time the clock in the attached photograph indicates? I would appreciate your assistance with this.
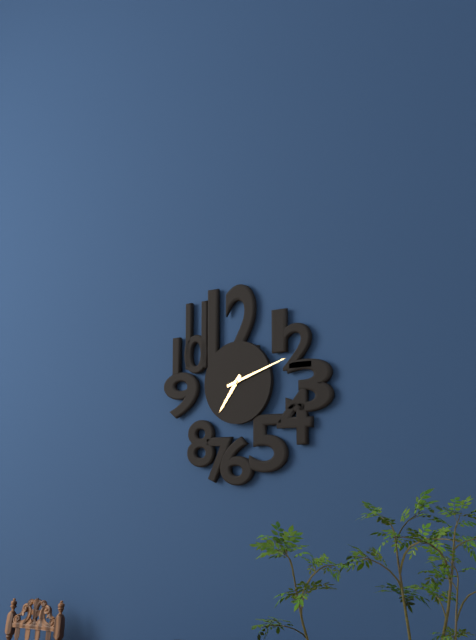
7:12
